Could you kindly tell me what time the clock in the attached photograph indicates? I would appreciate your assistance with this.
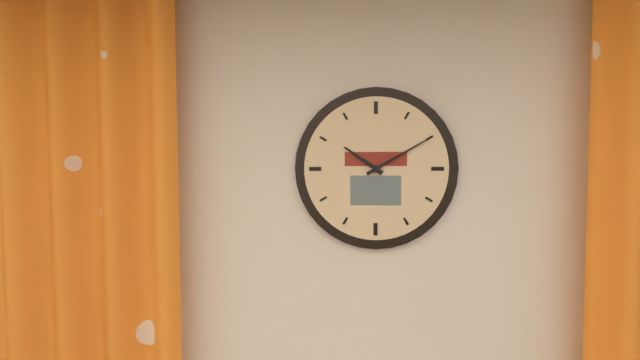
10:10
